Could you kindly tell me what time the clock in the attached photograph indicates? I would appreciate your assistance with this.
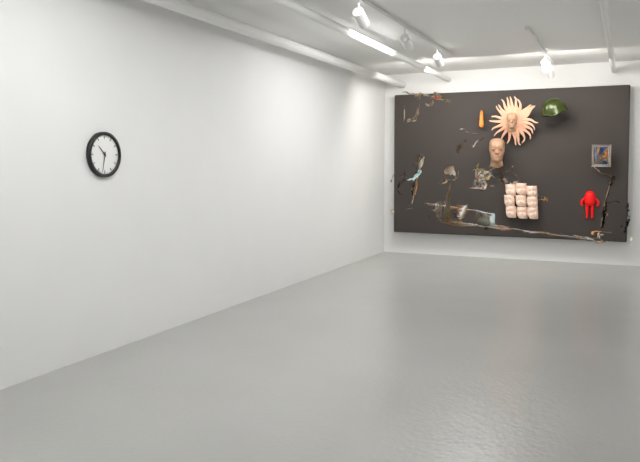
10:32
